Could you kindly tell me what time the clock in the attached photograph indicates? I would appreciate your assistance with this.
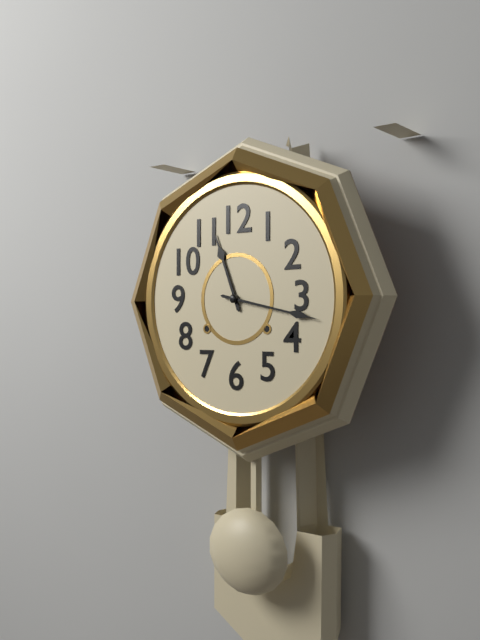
11:17
